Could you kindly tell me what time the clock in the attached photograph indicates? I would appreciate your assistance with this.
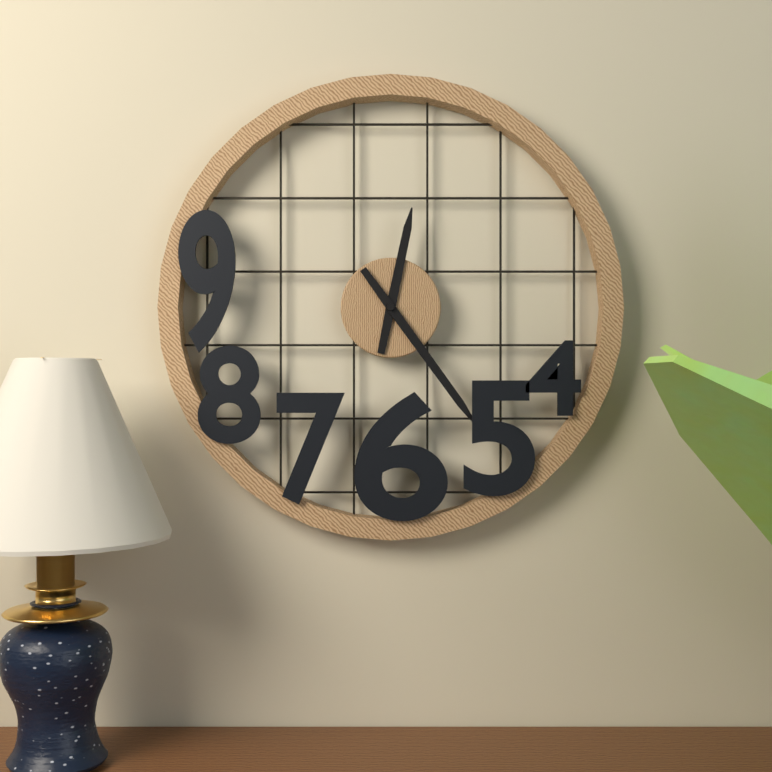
12:24
